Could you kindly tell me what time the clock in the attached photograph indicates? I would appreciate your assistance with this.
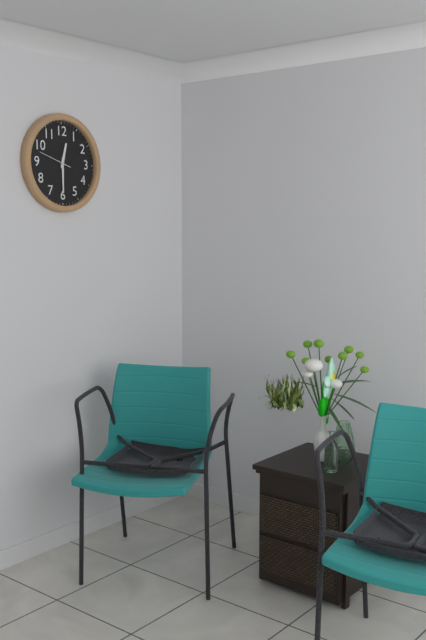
12:30
